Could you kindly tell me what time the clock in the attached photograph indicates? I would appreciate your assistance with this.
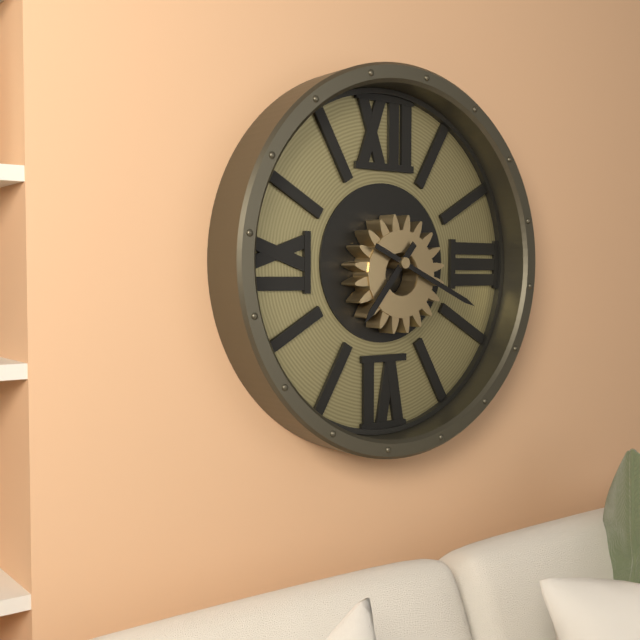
7:19
